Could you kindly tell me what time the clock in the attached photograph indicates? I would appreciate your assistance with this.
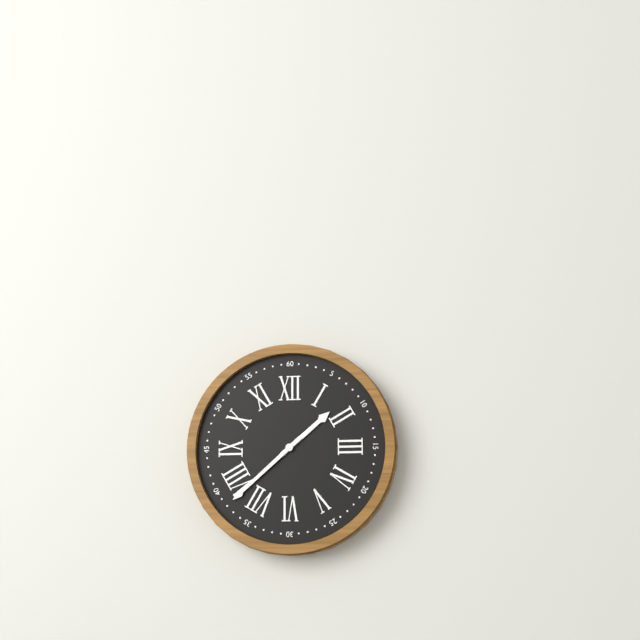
1:38
